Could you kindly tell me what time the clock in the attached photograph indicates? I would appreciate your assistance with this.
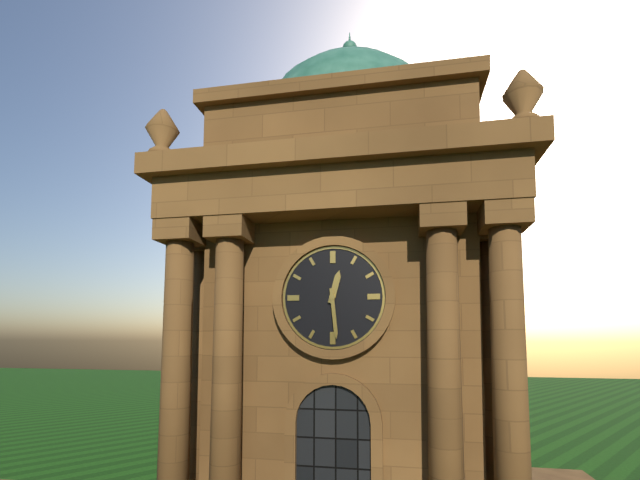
12:29
